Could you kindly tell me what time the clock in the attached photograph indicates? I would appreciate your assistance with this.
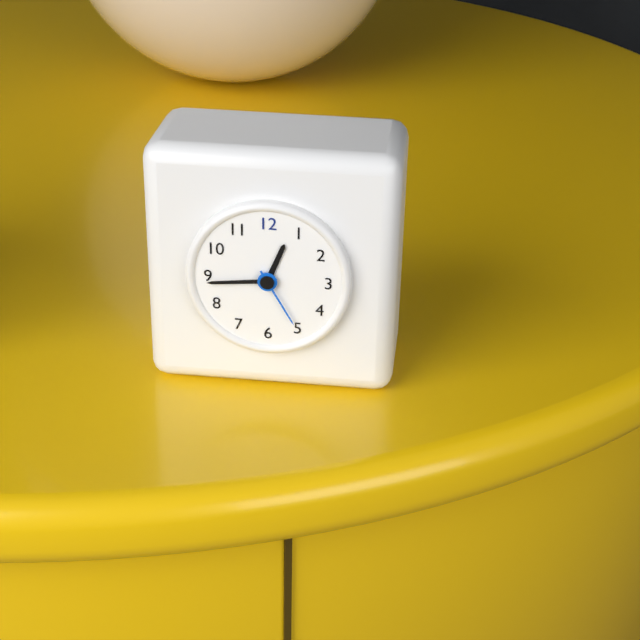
12:44:25
